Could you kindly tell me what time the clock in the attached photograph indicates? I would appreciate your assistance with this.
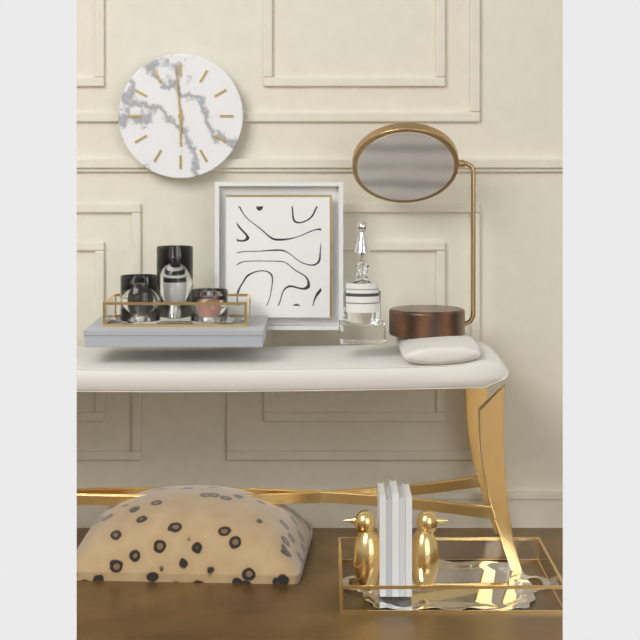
5:59
